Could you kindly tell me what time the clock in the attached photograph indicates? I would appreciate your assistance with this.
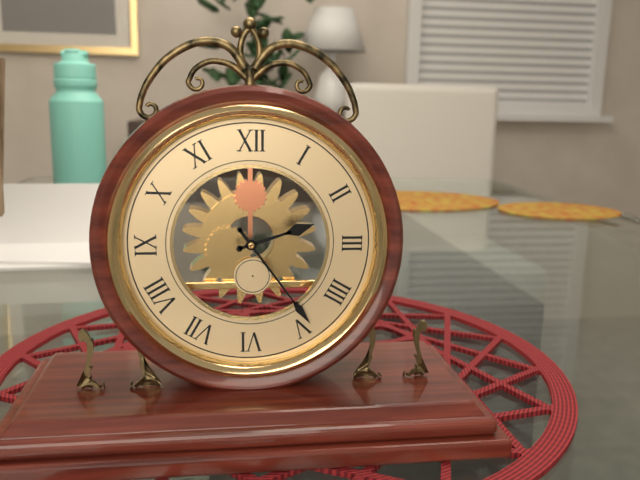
2:24
